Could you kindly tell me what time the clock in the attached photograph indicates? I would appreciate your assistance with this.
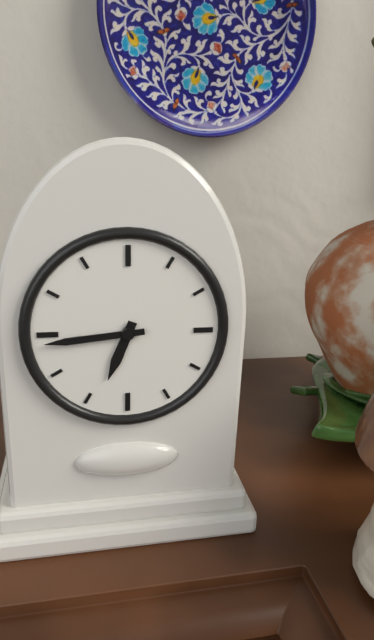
6:44
